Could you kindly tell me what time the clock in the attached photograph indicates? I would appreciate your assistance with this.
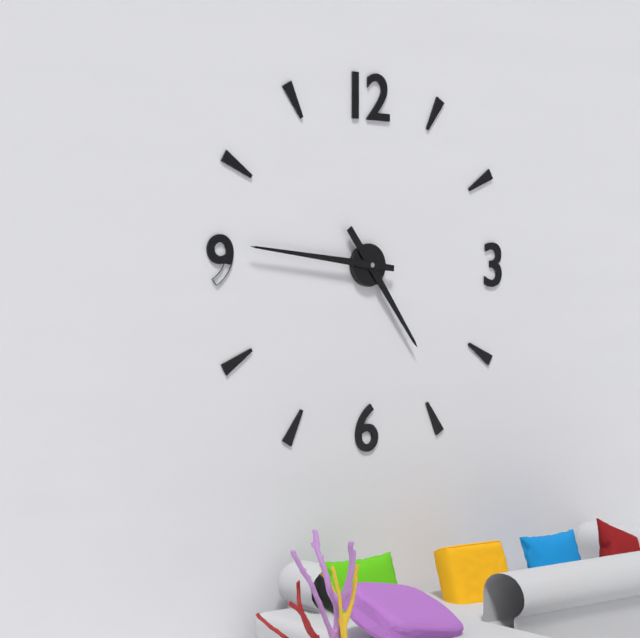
4:46
